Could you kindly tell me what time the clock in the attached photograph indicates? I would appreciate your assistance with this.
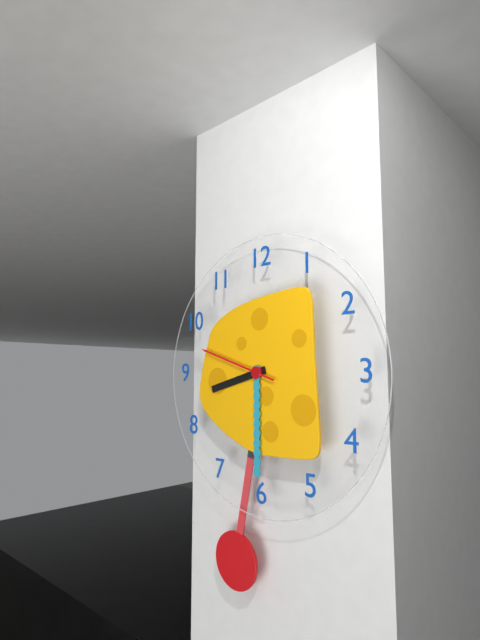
8:30:48
